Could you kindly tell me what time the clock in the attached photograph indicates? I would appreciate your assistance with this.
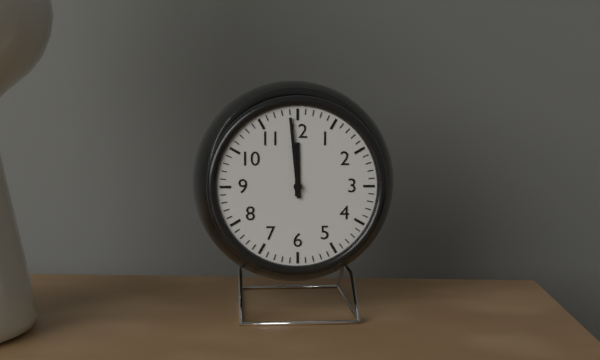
11:59
